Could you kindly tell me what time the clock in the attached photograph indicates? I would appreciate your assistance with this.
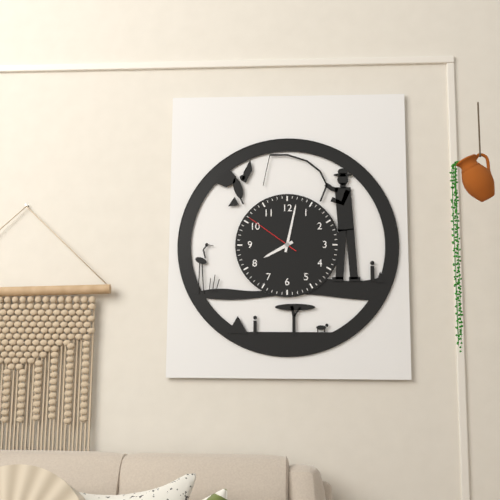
8:02:51
